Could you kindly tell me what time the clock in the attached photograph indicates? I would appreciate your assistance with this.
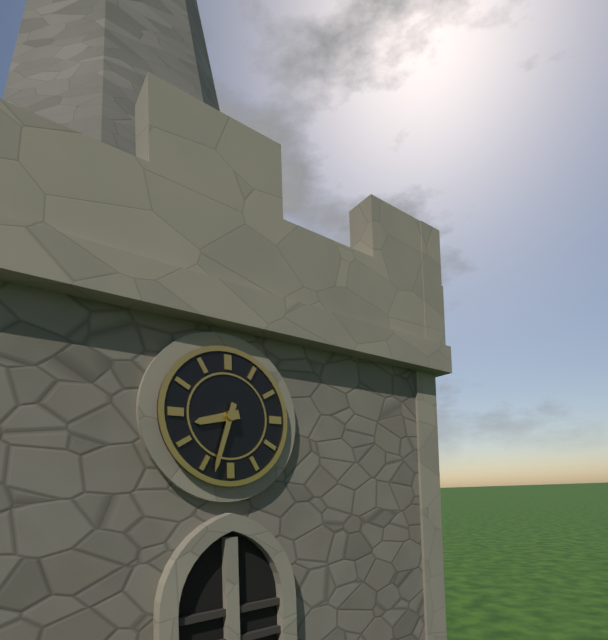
8:33
